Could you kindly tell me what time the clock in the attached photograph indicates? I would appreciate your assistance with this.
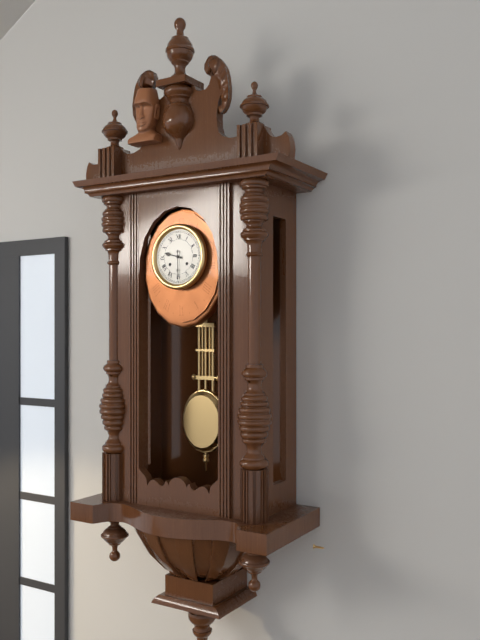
9:30
